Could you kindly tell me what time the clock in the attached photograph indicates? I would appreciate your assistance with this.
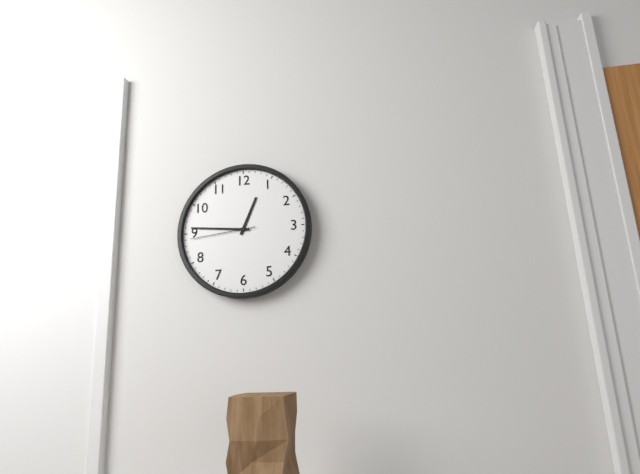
12:46:44
